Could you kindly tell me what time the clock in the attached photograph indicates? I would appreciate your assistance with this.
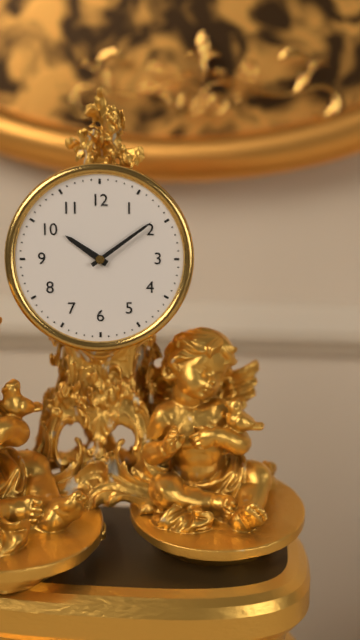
10:09
